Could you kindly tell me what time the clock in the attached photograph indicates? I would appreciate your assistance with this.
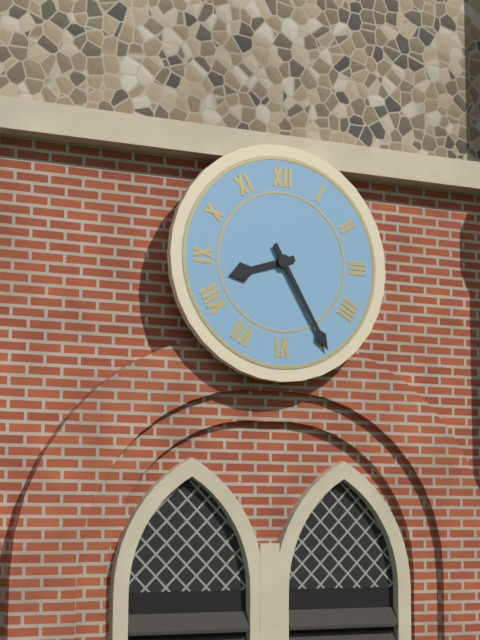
8:25
